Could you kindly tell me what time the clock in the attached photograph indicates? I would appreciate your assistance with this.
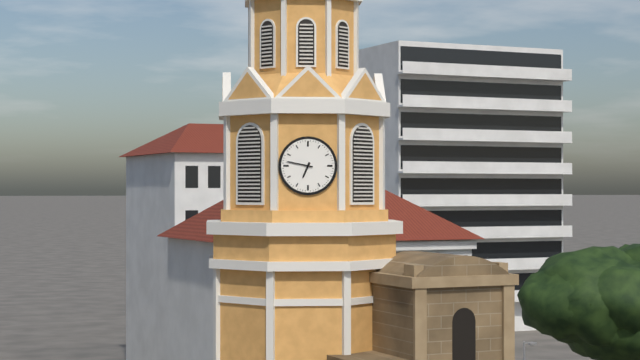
6:47
